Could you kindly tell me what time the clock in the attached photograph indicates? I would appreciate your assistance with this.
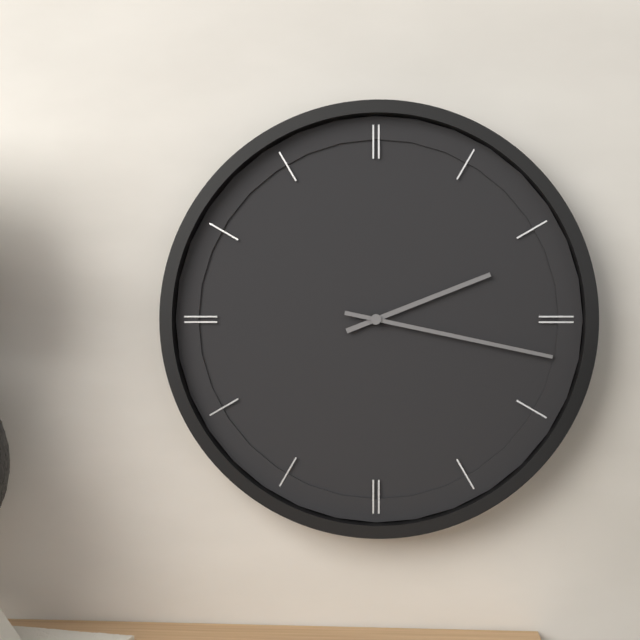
2:17
